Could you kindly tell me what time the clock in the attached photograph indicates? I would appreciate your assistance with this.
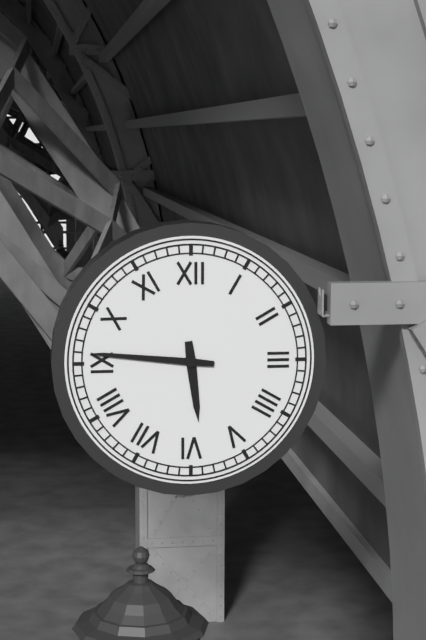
5:46
